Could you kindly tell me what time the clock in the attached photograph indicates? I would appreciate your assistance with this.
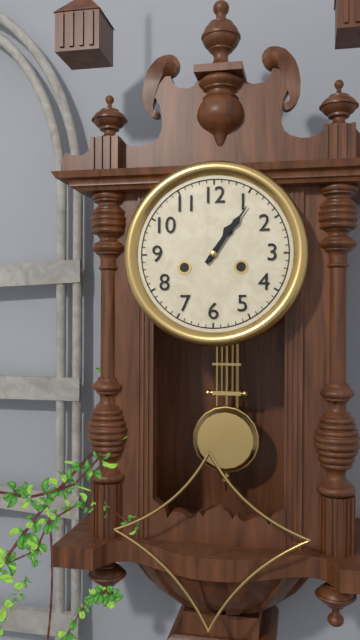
1:06
